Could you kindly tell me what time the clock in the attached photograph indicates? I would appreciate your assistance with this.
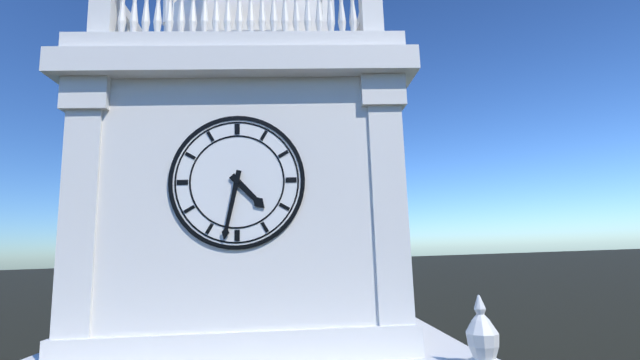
4:32
